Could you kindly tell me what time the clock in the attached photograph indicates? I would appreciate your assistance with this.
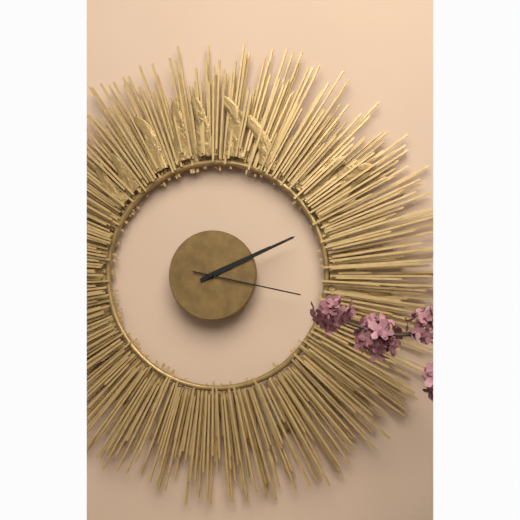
2:11:17
